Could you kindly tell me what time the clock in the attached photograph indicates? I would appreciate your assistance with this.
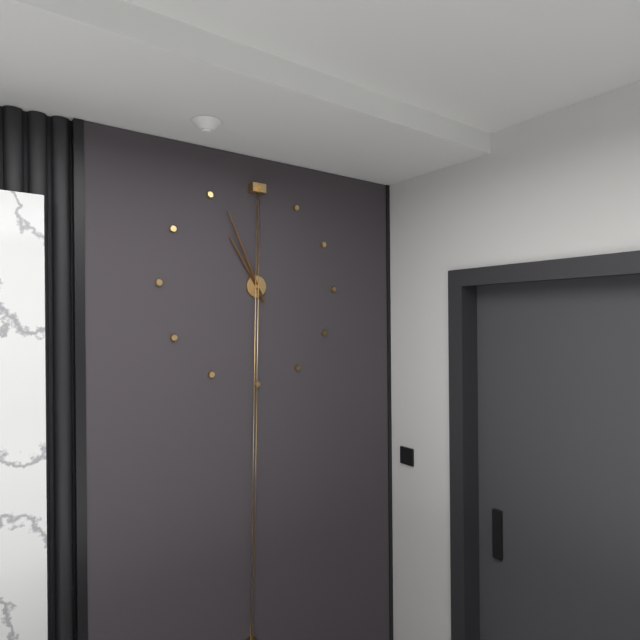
10:56
